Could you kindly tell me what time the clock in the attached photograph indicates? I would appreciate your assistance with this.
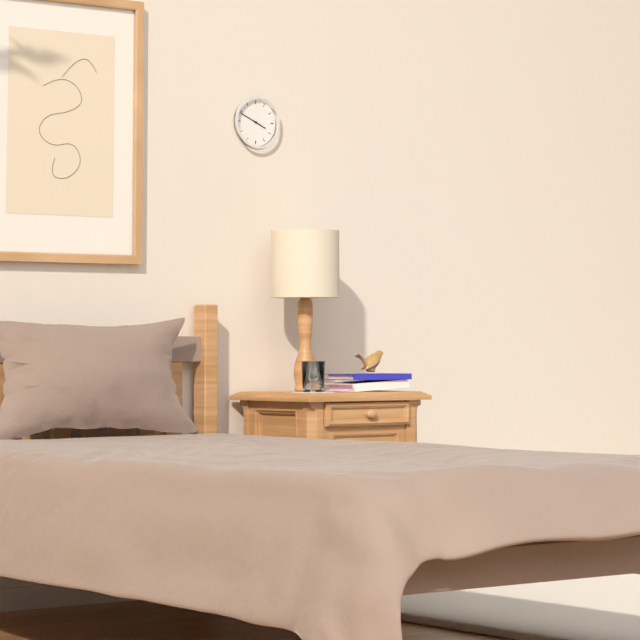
3:49
